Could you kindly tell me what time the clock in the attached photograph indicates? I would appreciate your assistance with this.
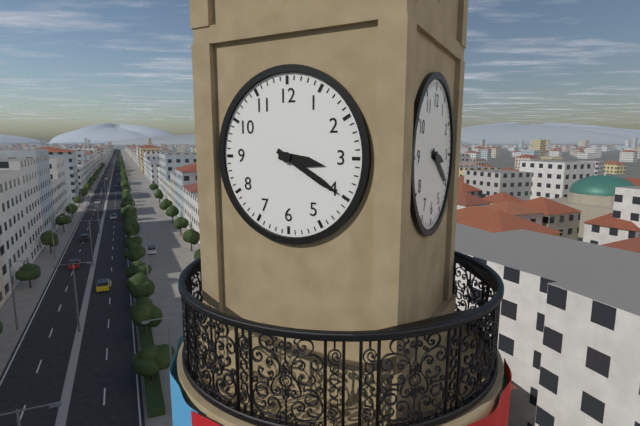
3:20
